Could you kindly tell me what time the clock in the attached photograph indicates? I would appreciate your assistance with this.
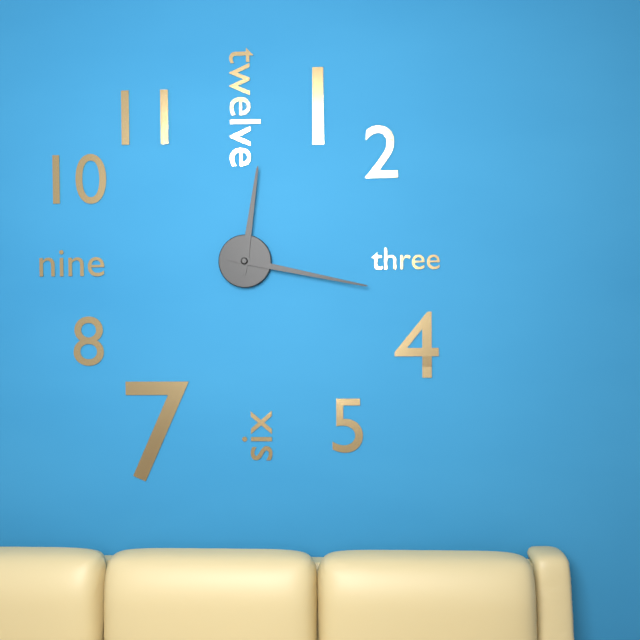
12:17
